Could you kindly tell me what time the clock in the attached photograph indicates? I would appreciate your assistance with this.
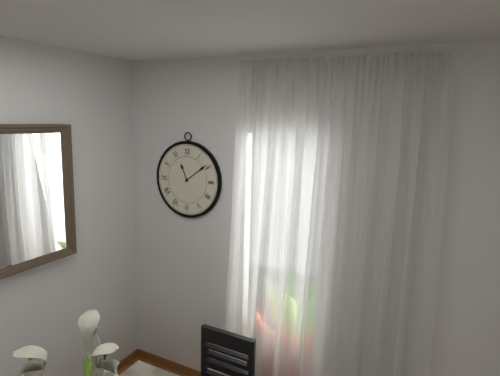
11:09
